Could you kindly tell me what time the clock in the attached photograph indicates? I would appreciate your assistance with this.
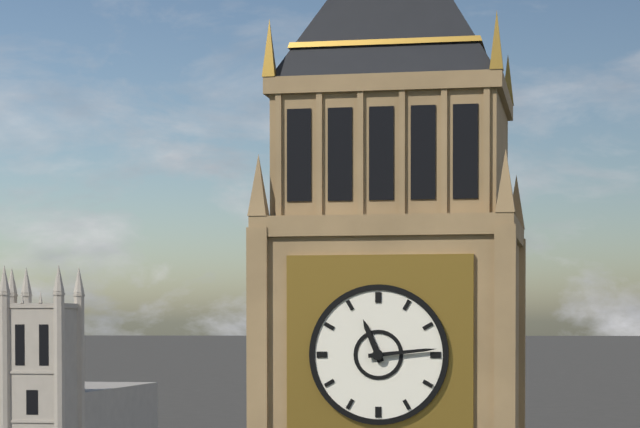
11:14
